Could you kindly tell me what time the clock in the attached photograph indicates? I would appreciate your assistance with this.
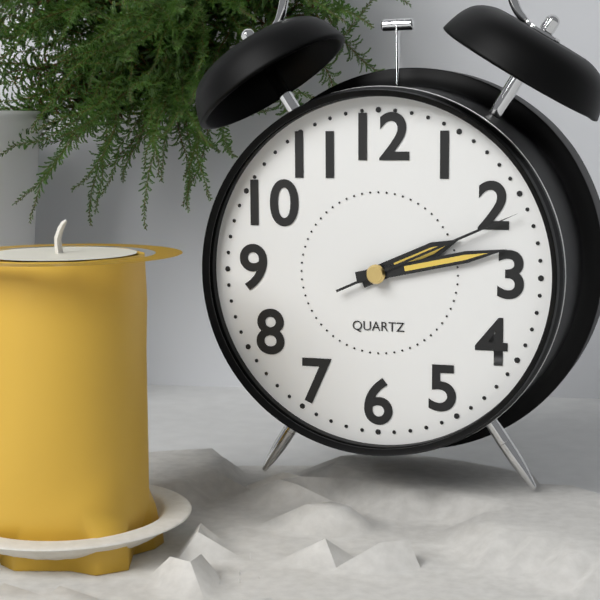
2:13:11
